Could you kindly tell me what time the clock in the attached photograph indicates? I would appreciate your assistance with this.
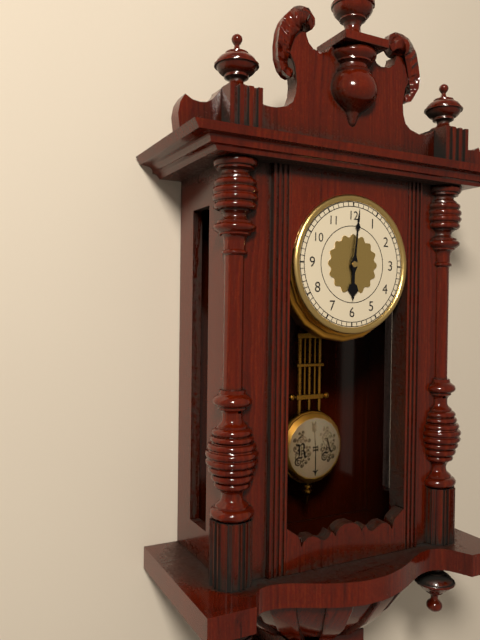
6:01
